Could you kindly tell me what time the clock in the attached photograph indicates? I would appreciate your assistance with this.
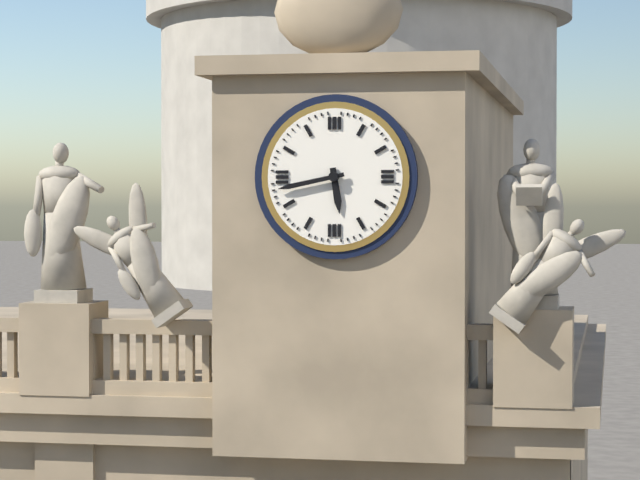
5:43
